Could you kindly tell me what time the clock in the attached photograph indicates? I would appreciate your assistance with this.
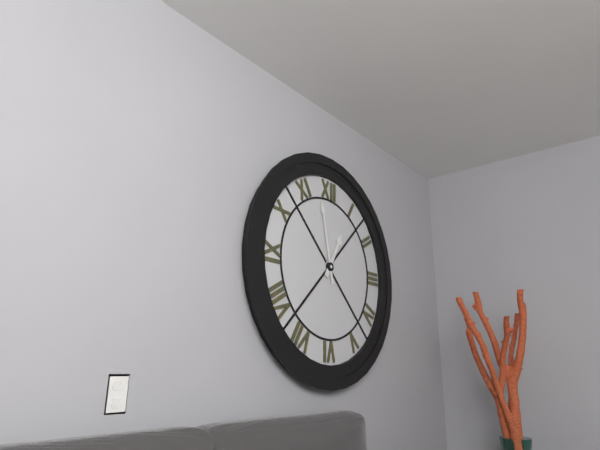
12:58
